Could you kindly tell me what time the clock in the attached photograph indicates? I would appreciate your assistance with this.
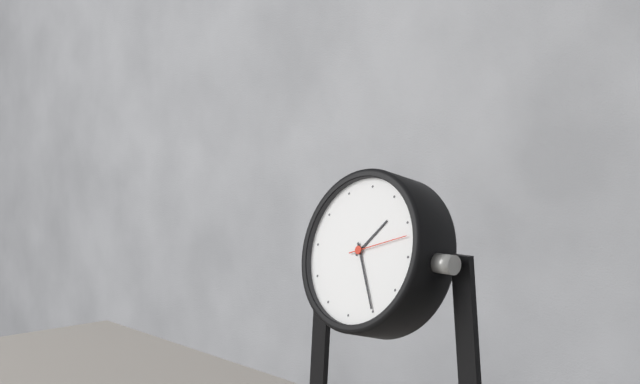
1:25:12
